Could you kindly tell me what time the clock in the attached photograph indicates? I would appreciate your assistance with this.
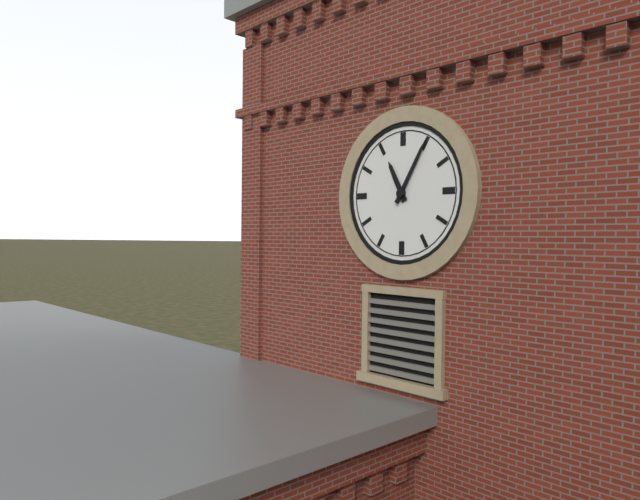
11:05
